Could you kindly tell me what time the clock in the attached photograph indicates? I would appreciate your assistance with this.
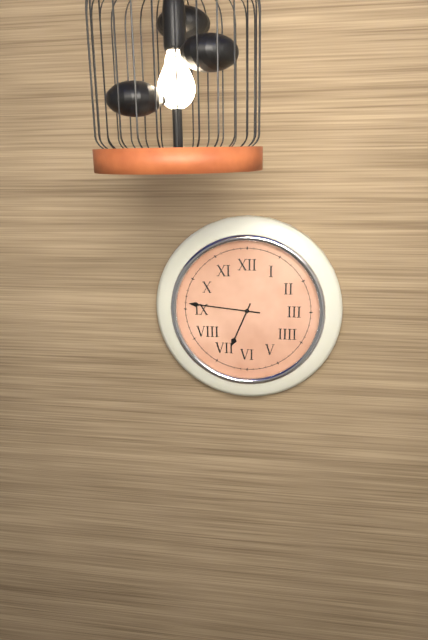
6:46
